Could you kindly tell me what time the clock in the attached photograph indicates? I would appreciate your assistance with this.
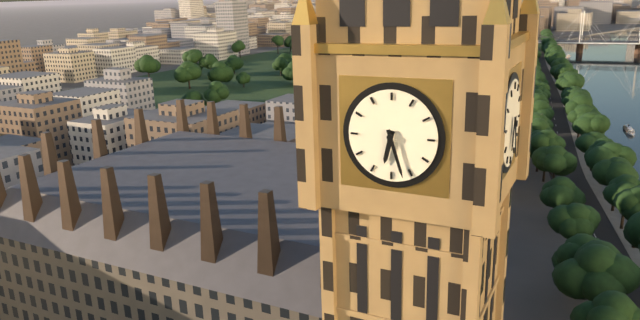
6:27
